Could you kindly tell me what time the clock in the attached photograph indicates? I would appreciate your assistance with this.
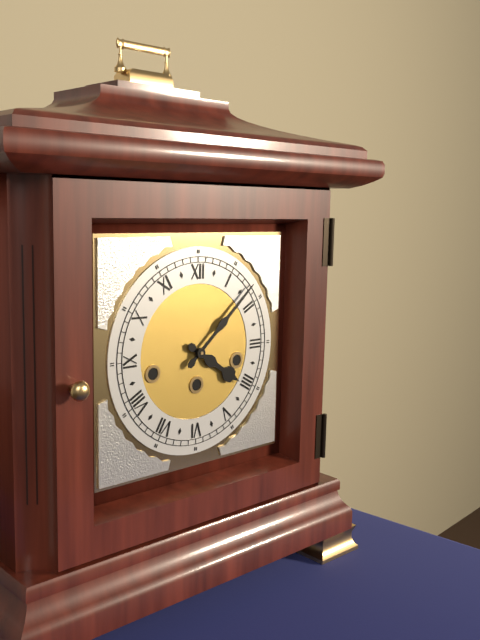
4:08
